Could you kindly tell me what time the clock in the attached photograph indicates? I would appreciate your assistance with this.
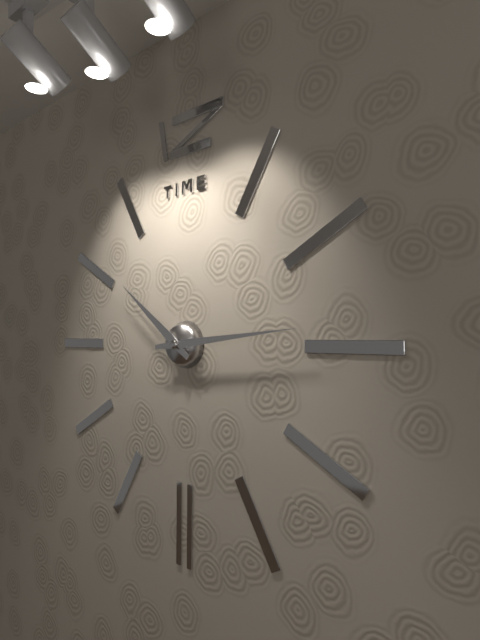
10:14
